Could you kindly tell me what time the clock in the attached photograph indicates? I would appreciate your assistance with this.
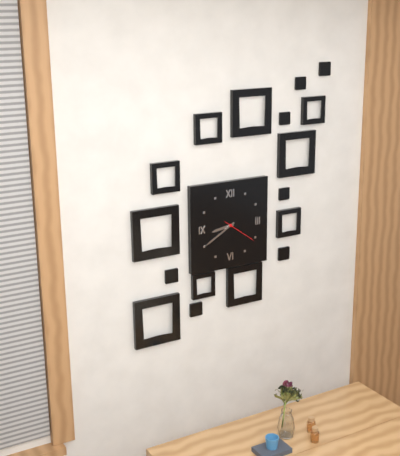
8:40
